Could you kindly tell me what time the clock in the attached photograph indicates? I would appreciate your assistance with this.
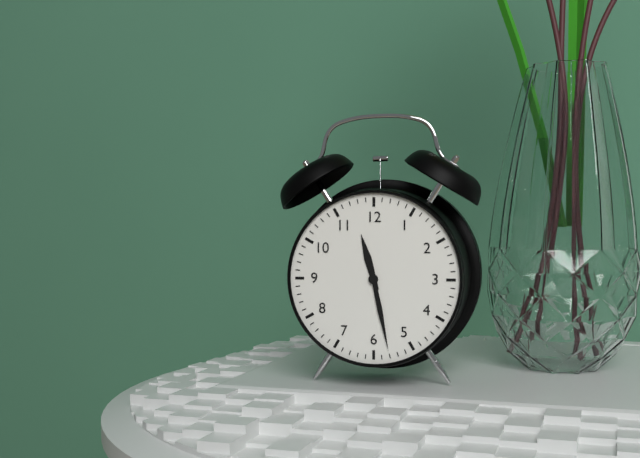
11:28
